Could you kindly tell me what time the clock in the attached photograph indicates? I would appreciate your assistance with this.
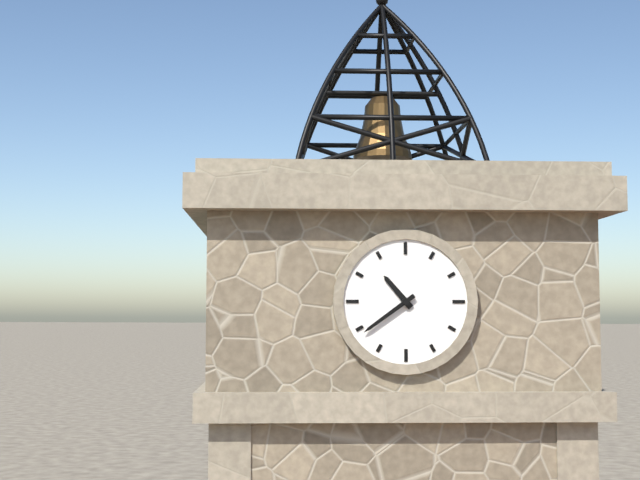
10:39
